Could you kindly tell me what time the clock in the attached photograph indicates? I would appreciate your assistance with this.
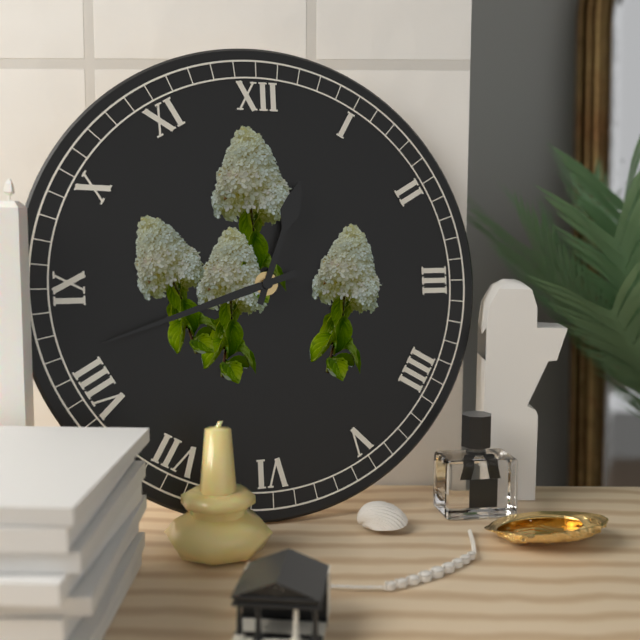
12:42
